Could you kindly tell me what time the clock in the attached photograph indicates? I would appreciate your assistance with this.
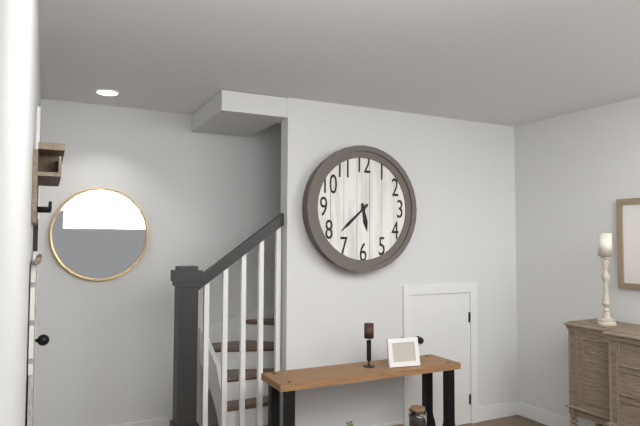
5:38
